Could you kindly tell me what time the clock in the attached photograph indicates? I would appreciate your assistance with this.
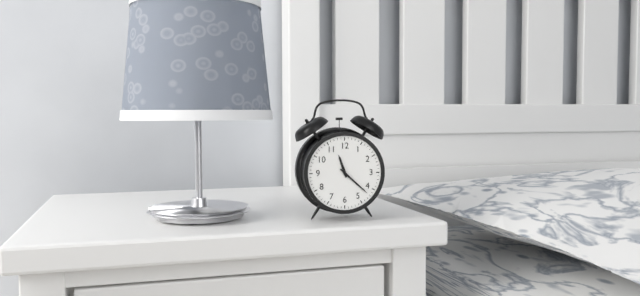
11:22
